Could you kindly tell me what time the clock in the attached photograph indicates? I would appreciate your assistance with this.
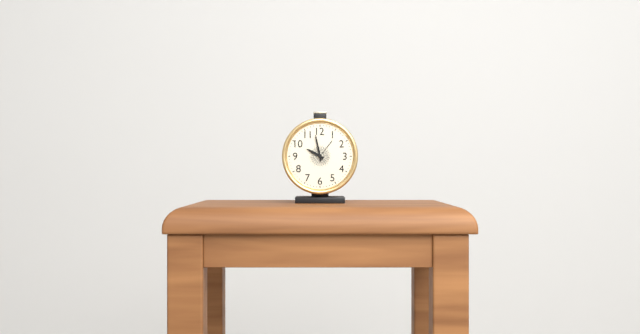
9:58
